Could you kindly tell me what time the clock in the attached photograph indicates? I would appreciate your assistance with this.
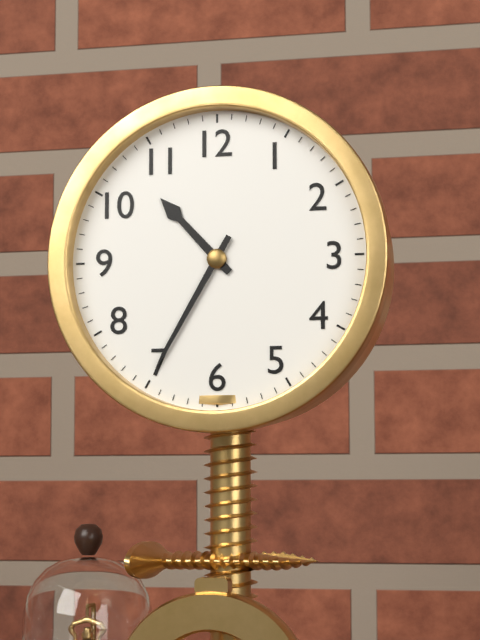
10:35
